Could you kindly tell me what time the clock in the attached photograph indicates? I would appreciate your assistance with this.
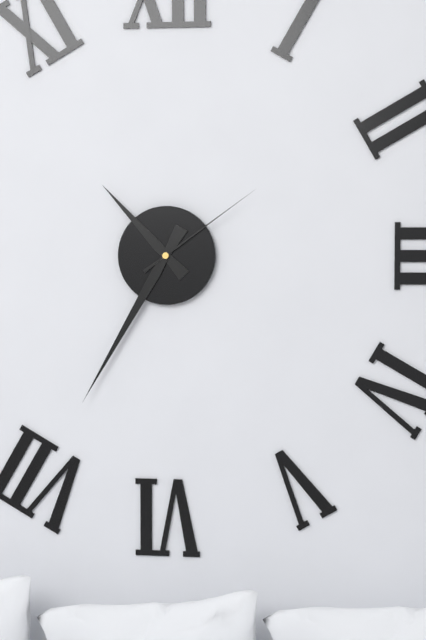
10:35:09
